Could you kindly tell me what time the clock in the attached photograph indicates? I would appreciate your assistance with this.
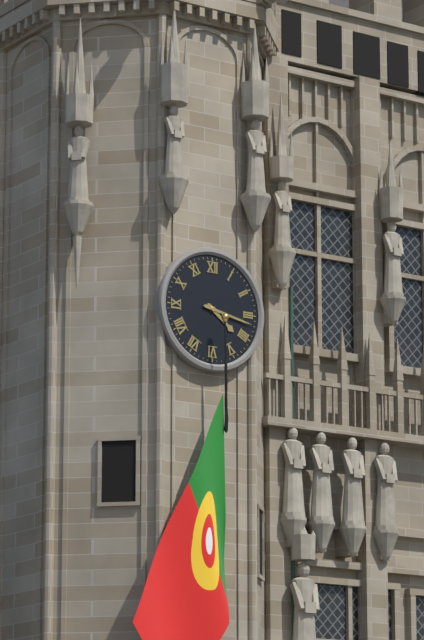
4:17
